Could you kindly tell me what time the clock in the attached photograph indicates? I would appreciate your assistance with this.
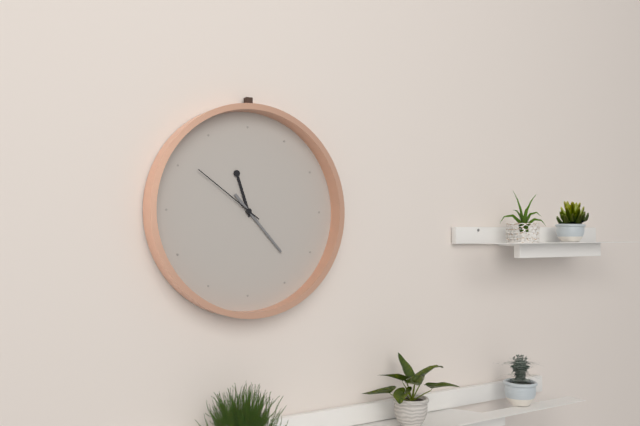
11:23:51
